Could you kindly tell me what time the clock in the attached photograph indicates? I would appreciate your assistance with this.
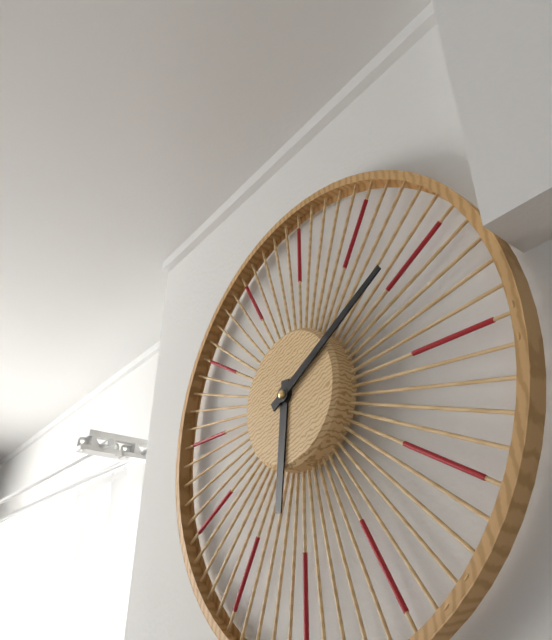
6:10
